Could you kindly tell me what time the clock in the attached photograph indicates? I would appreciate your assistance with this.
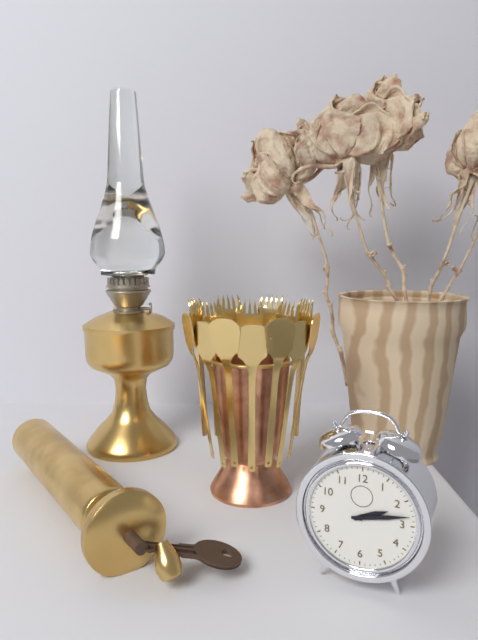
2:13
